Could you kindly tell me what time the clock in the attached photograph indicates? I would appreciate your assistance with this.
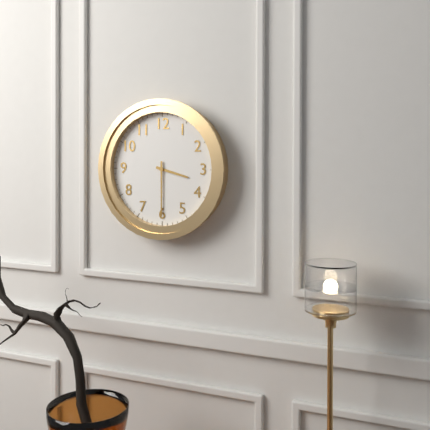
3:30
